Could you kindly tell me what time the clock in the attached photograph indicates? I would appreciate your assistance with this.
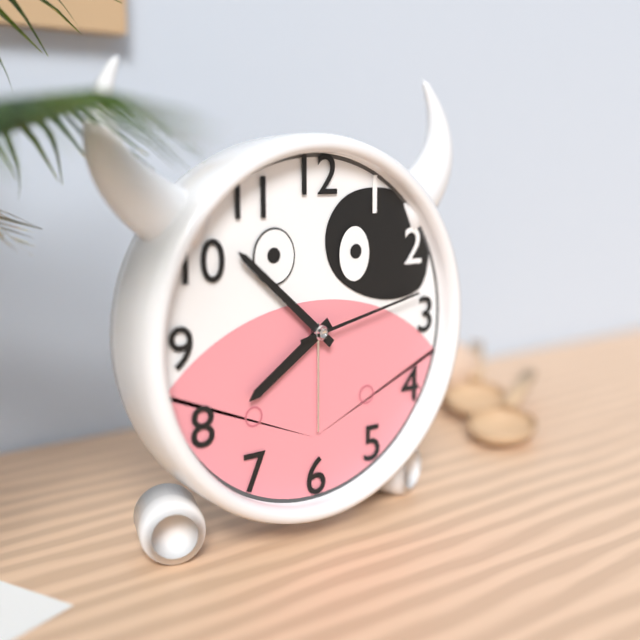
7:52:13
